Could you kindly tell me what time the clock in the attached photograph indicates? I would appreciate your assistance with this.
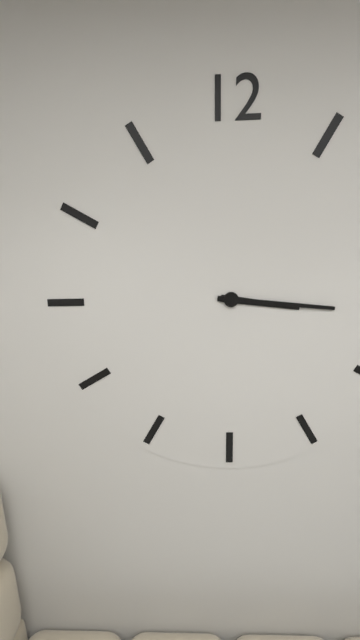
3:16
